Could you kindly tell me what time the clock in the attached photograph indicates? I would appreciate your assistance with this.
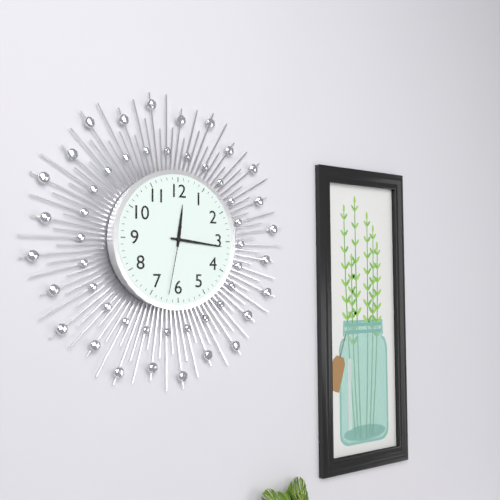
12:16:32
